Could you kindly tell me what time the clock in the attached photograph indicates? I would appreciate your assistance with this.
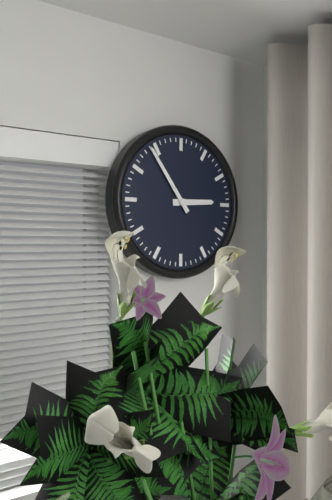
2:54
